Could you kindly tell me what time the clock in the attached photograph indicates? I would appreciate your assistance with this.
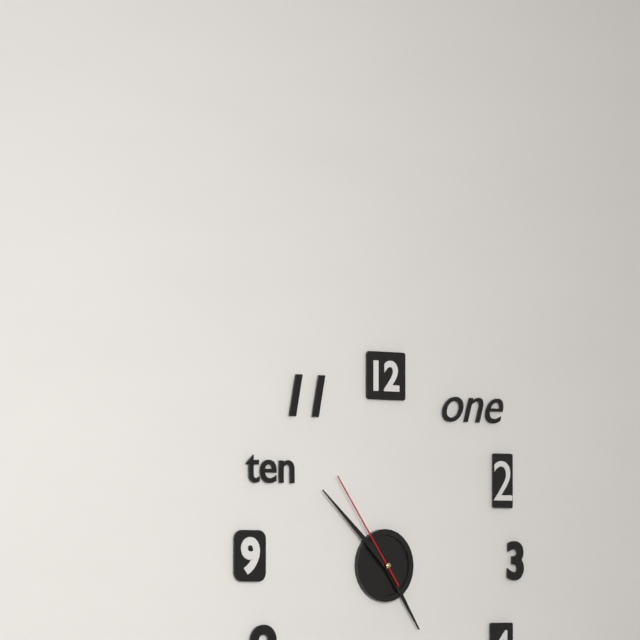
4:52:54
